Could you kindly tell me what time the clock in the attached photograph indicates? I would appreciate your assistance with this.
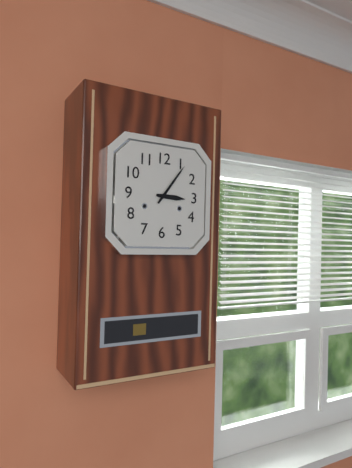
3:06
